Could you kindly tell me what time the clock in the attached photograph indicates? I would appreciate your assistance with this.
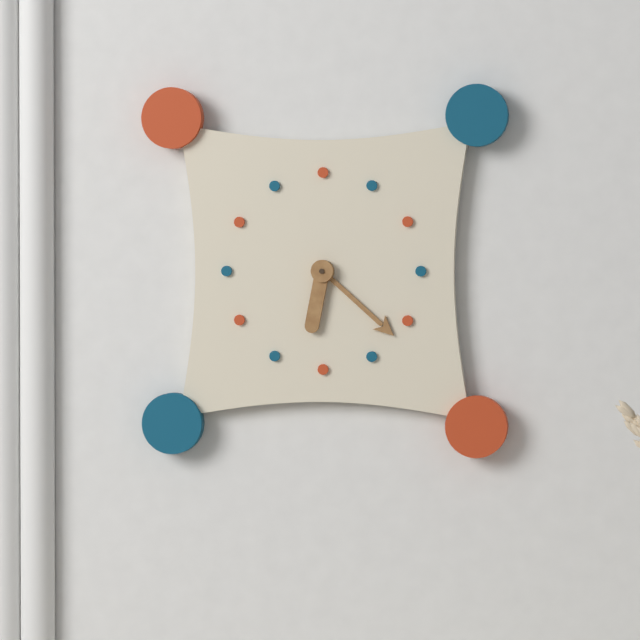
6:22
